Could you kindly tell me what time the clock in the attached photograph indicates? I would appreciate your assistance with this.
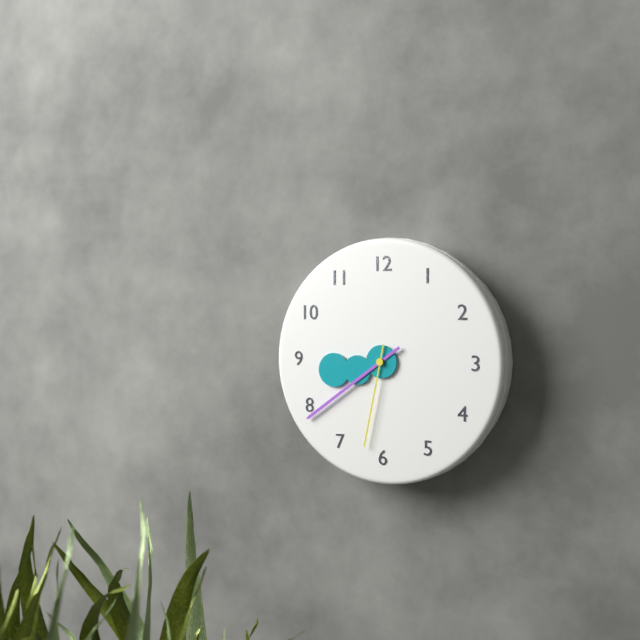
8:39:32
